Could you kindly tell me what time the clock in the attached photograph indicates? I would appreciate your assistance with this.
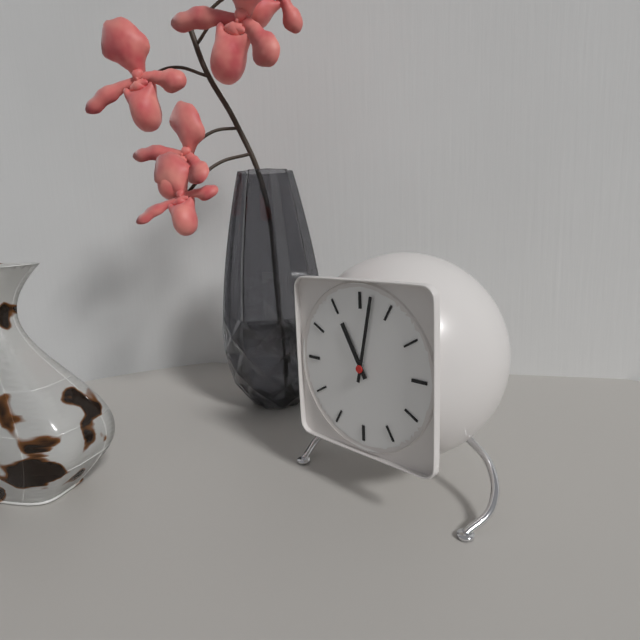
11:02
